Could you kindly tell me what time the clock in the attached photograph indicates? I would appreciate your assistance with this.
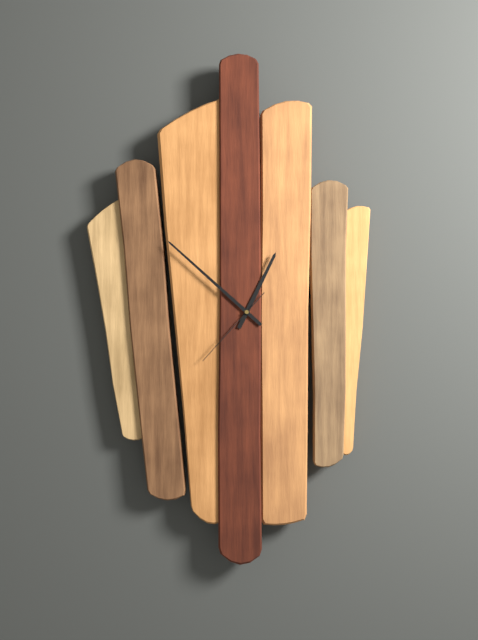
12:52:37
